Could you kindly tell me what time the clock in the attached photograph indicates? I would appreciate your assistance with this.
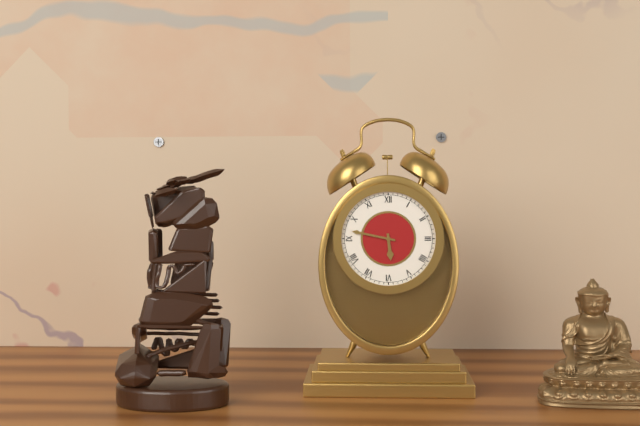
5:47
